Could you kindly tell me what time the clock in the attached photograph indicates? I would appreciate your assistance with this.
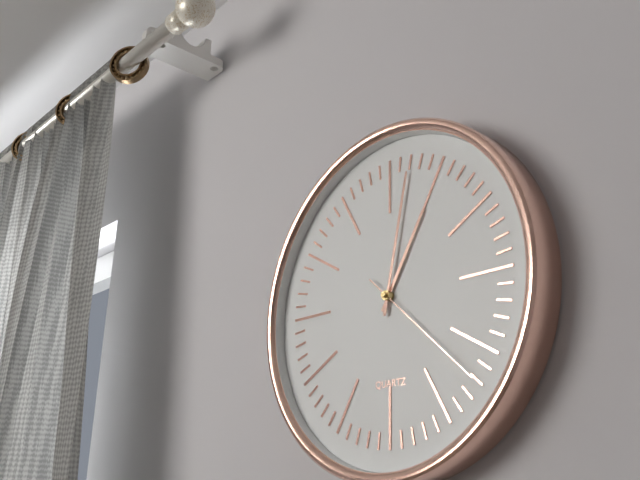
1:02:22
